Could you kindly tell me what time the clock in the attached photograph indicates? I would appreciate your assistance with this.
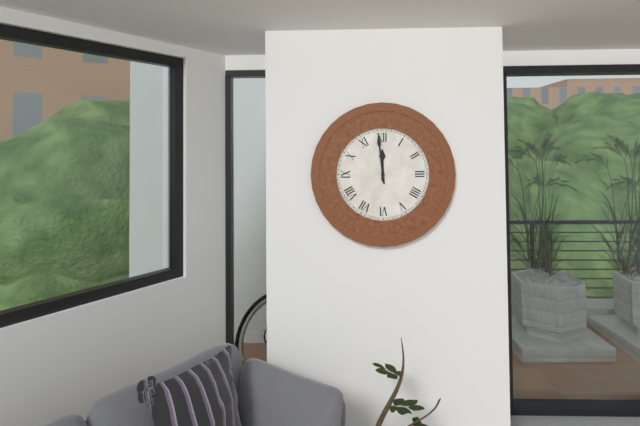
11:59
